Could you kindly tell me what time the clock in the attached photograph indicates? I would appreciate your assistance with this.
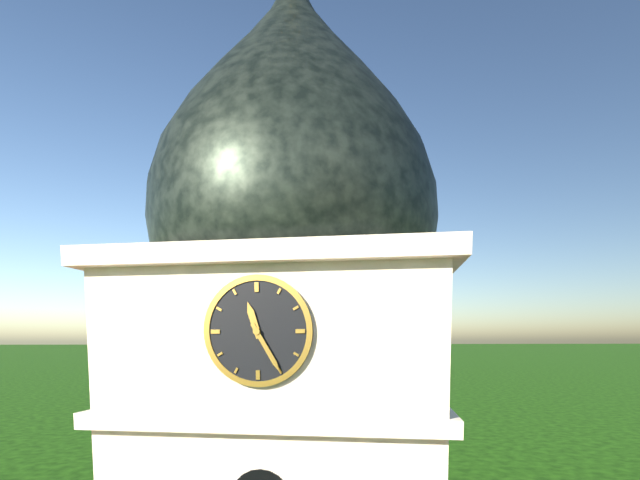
11:25
